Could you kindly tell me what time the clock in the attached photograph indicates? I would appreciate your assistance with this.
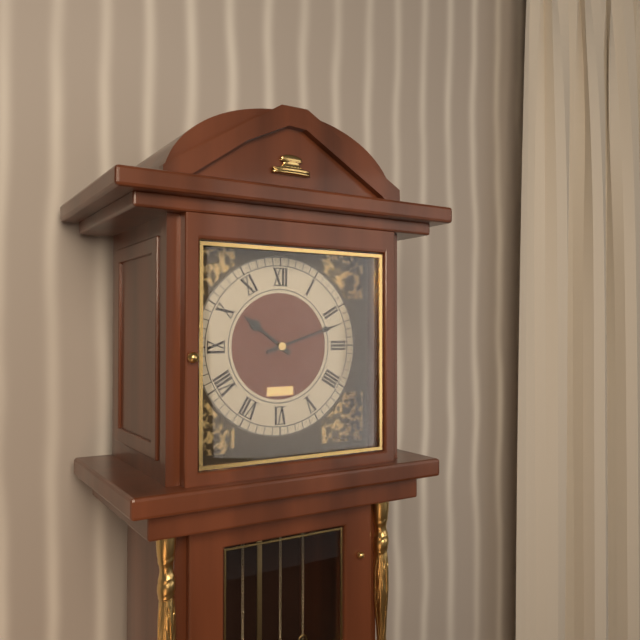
10:12
